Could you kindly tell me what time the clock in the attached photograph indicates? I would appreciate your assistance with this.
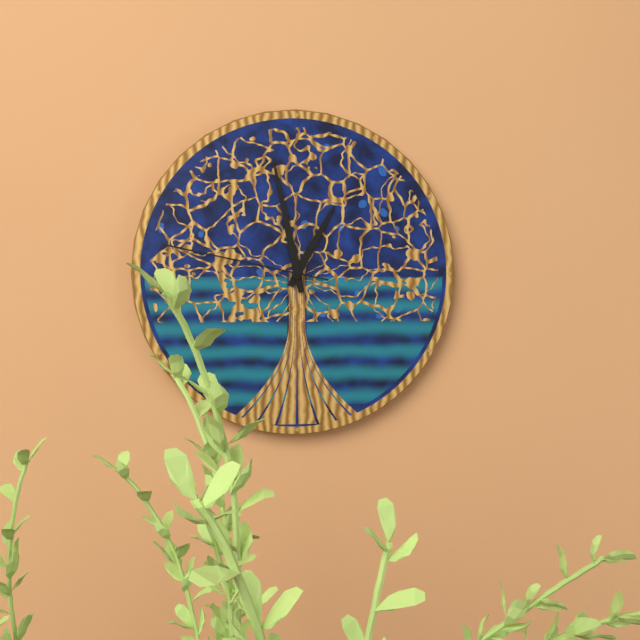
12:58:47
